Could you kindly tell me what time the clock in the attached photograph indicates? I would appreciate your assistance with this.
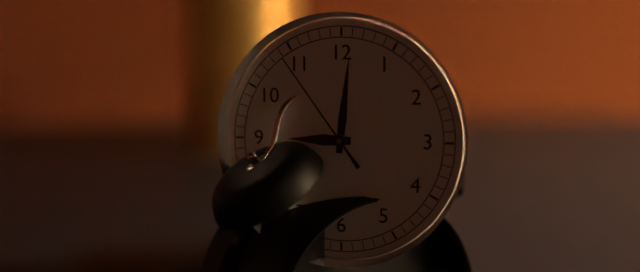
9:01:54
